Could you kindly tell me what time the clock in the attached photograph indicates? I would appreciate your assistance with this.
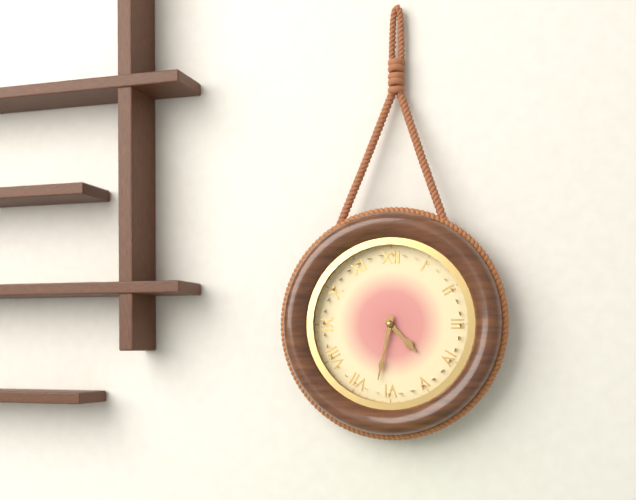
4:32
